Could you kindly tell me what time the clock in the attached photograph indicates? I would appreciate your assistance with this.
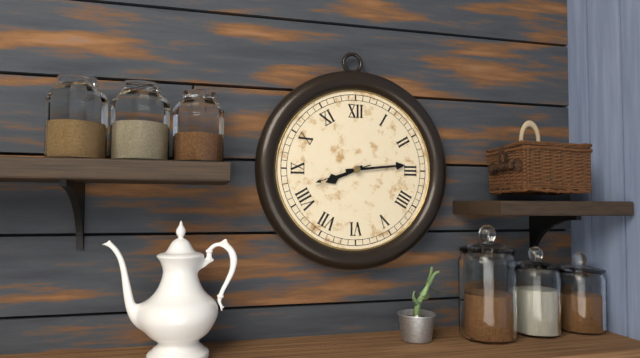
8:14:42
